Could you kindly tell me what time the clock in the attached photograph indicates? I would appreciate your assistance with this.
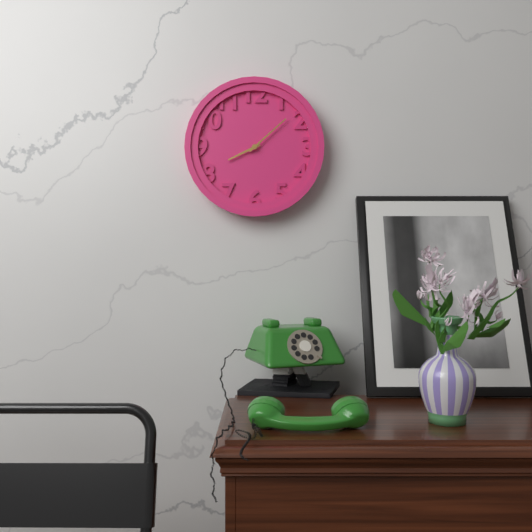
8:08
